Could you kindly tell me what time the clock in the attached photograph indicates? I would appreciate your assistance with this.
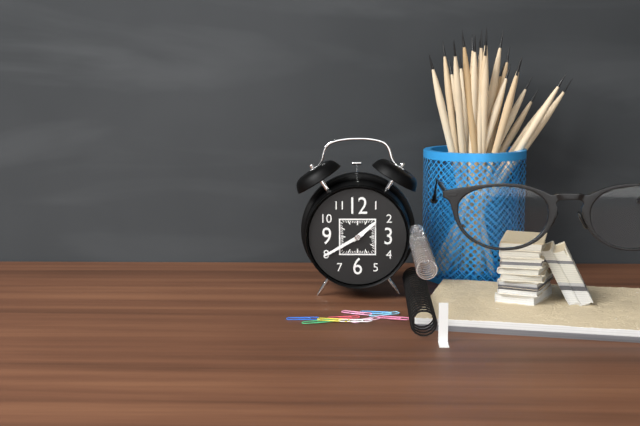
1:40
